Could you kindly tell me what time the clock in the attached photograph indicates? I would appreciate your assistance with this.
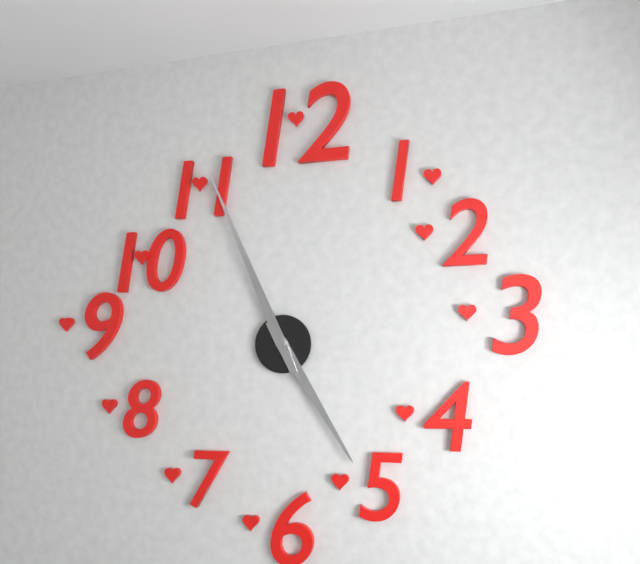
4:56
